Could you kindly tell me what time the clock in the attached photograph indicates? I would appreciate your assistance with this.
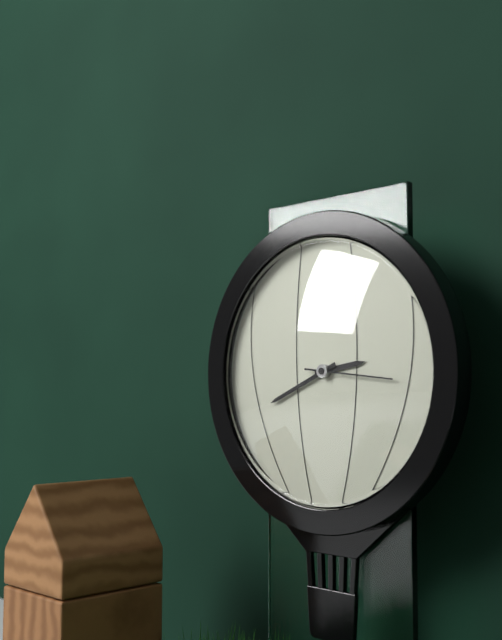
2:41:16
